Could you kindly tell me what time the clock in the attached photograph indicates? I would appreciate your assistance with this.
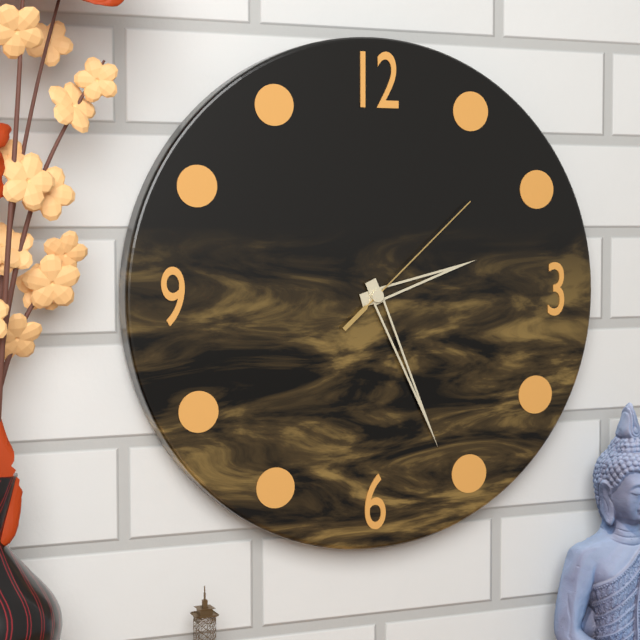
2:26:08
